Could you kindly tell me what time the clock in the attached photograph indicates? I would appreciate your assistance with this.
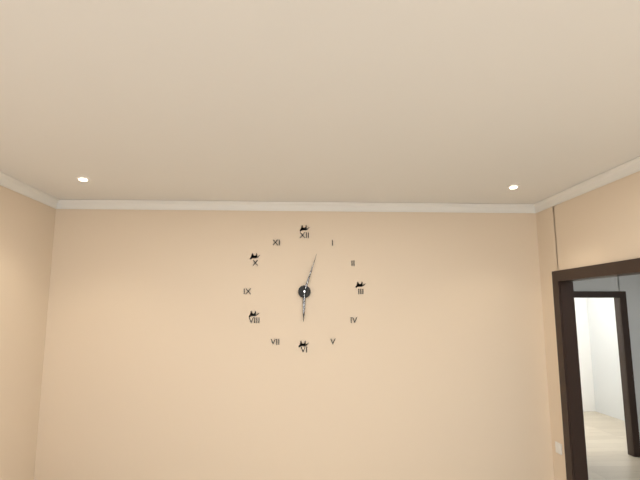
6:03
